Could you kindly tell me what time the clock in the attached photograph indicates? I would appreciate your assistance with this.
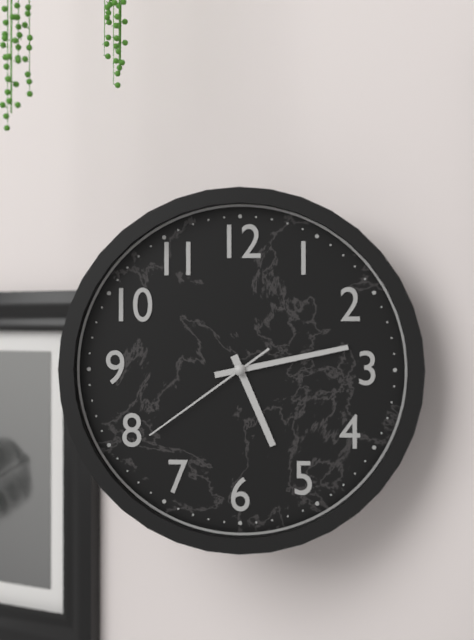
5:13:39
